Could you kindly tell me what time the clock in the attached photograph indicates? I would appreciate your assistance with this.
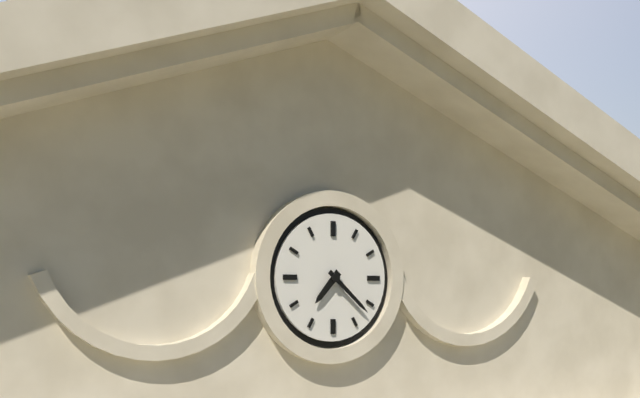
7:22
